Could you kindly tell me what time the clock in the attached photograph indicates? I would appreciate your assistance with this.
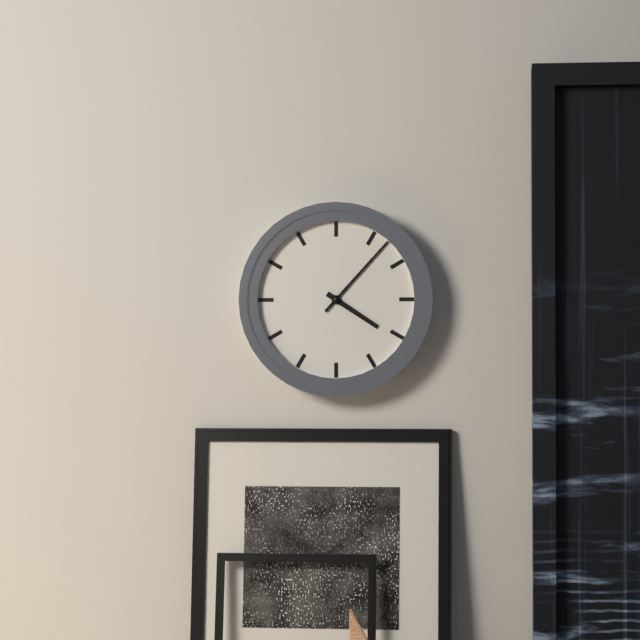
4:07
